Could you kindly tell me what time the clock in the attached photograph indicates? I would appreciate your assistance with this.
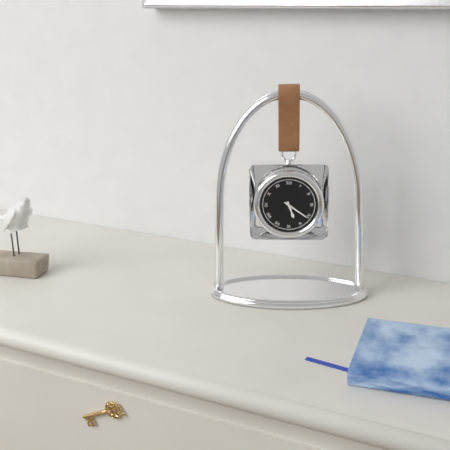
5:21
